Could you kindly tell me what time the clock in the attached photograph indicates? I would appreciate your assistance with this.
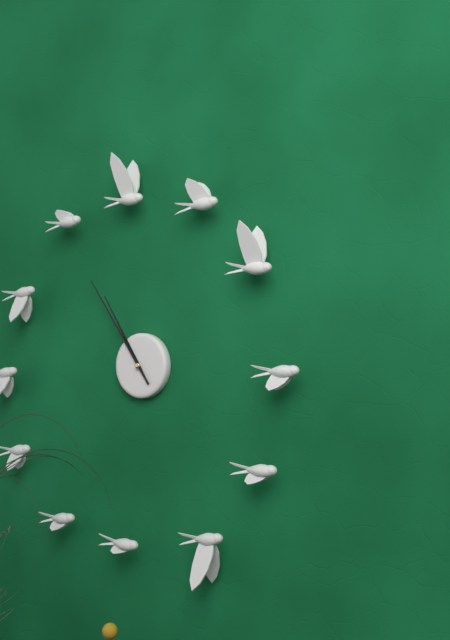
10:54
